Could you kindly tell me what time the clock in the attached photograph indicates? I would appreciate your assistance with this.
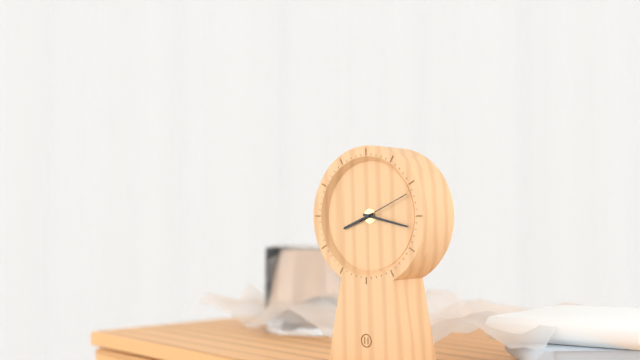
8:17:11
